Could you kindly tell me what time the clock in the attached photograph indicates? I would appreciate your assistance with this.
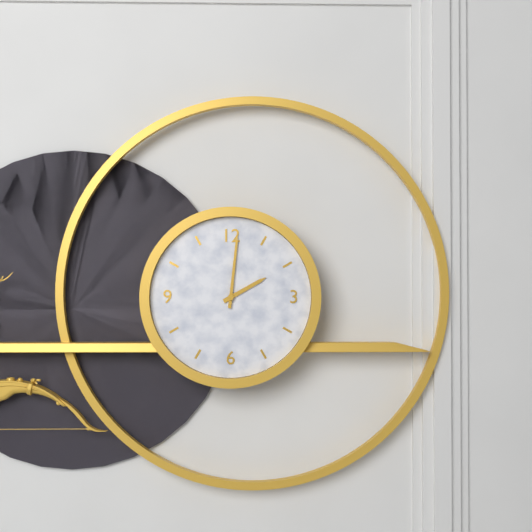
2:01
